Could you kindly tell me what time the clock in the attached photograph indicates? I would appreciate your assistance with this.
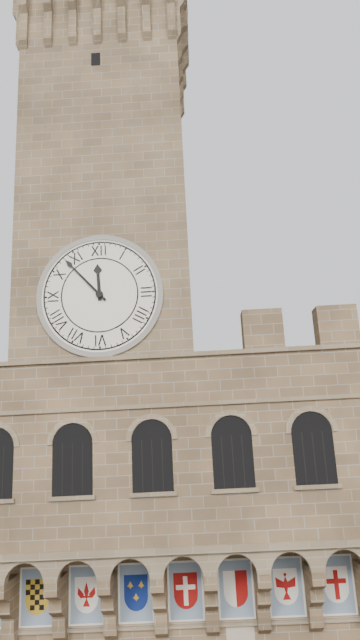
11:53
